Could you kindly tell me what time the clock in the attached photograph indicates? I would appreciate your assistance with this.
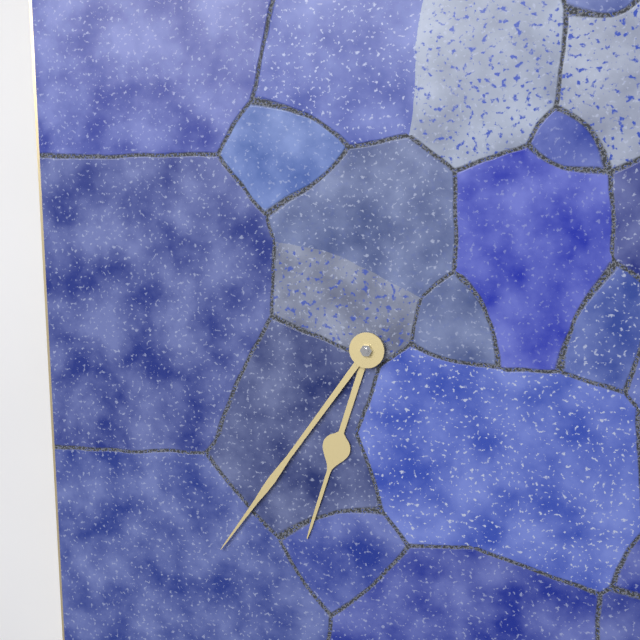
6:36
